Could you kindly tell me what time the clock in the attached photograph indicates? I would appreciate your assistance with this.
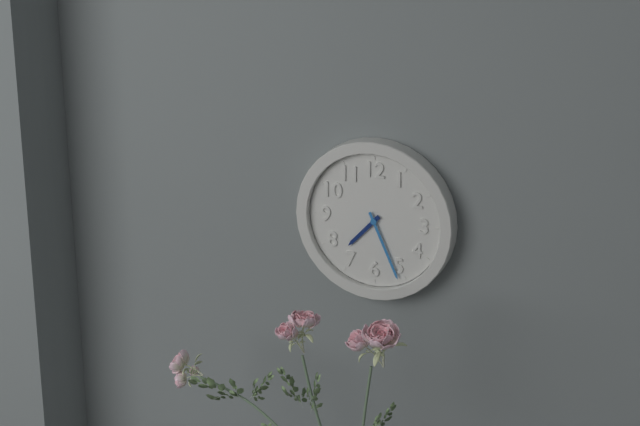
7:26
